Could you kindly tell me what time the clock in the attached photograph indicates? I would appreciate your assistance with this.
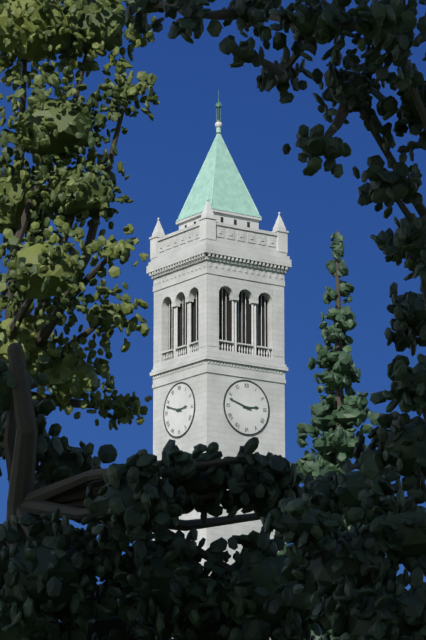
2:48
